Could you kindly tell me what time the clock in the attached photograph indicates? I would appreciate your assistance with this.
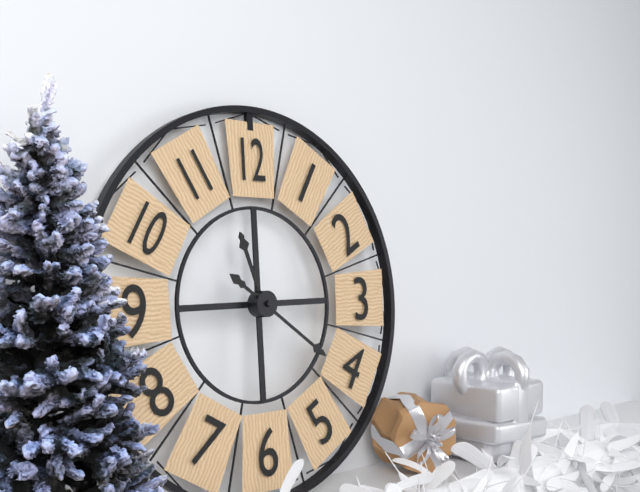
11:21
